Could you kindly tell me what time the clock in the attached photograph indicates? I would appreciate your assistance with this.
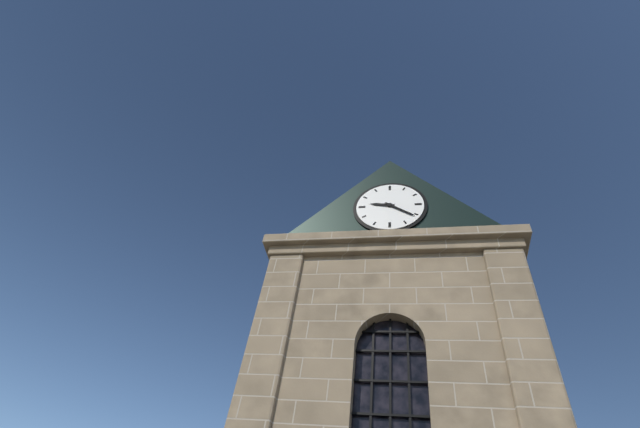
9:21
